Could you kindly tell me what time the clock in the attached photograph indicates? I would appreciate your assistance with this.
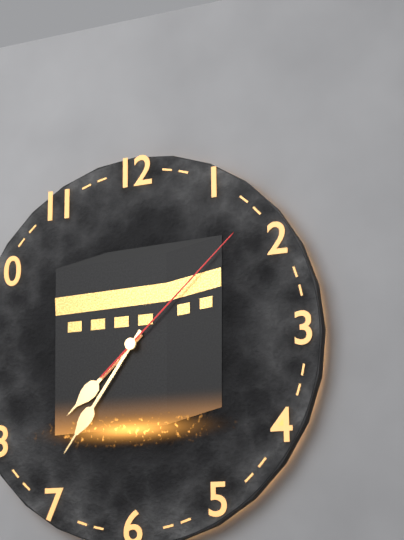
7:36:08
